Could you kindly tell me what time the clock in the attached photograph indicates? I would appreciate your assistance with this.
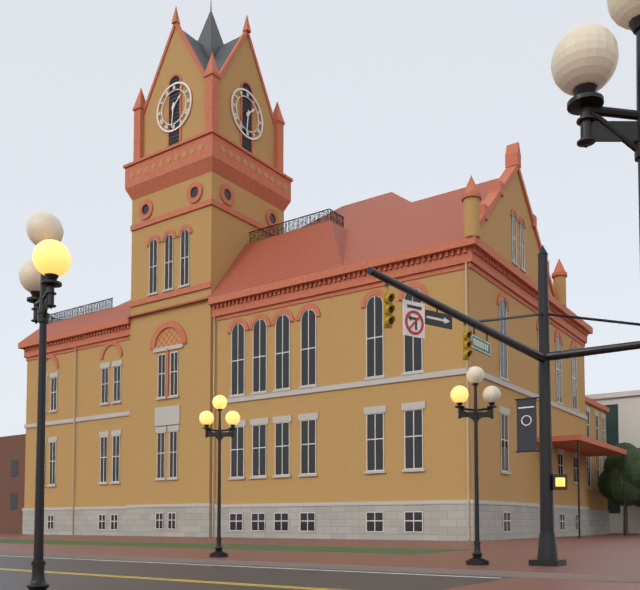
1:31
